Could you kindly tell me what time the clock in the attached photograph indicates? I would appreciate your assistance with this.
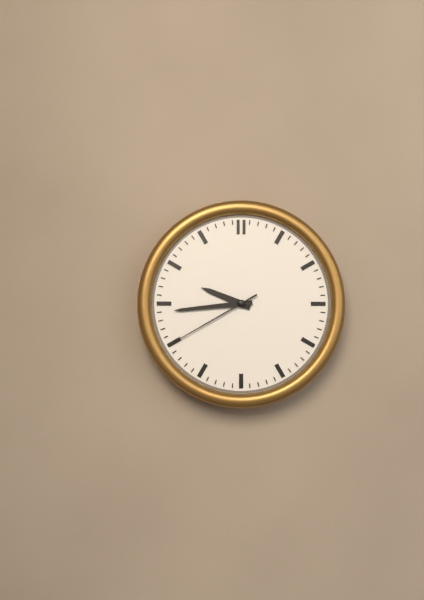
9:44:40
